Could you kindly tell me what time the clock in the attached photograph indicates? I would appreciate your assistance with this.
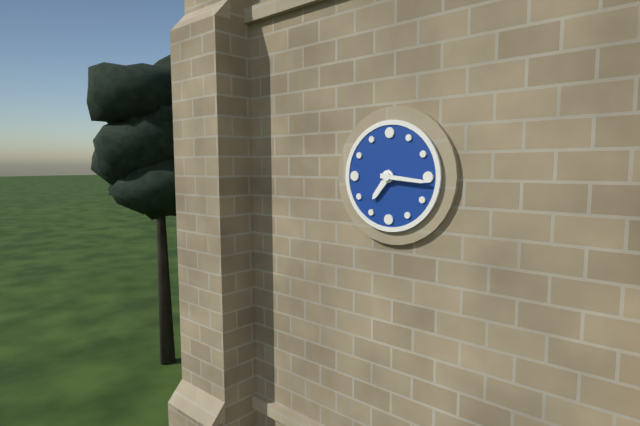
7:16
